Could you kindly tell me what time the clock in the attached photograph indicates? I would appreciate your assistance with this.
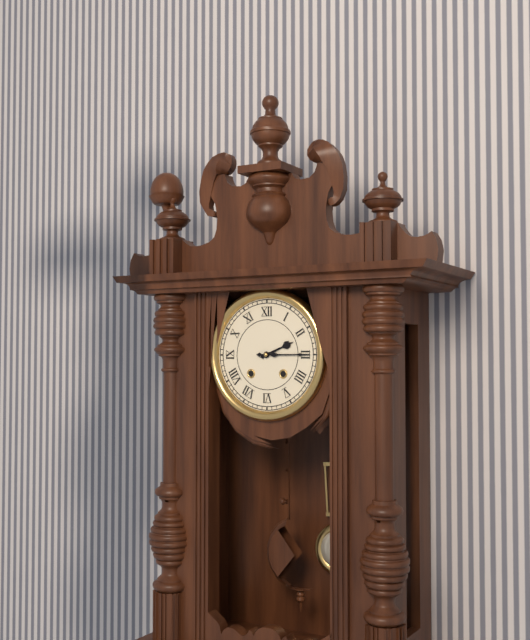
2:15
